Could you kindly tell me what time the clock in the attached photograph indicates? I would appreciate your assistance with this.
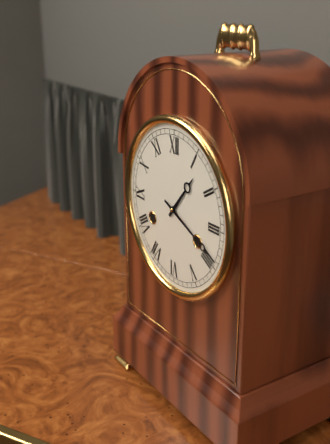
1:19
